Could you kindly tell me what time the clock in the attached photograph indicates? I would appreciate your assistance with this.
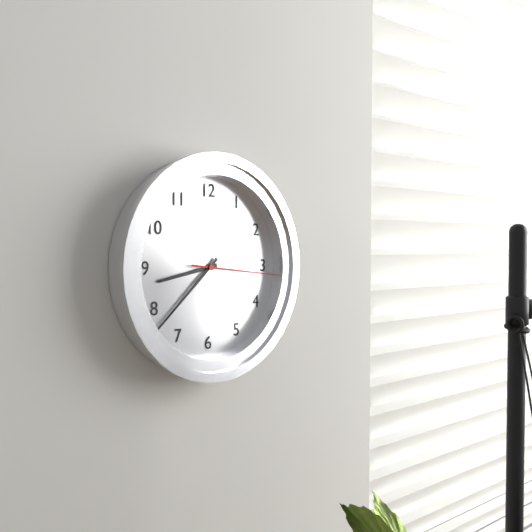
8:38:16
